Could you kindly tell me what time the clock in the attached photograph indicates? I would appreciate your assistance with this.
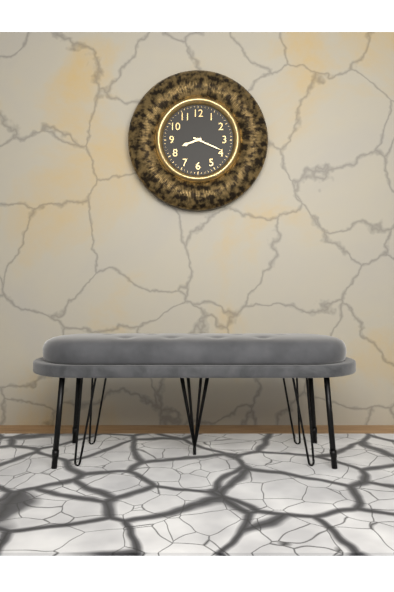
8:19
